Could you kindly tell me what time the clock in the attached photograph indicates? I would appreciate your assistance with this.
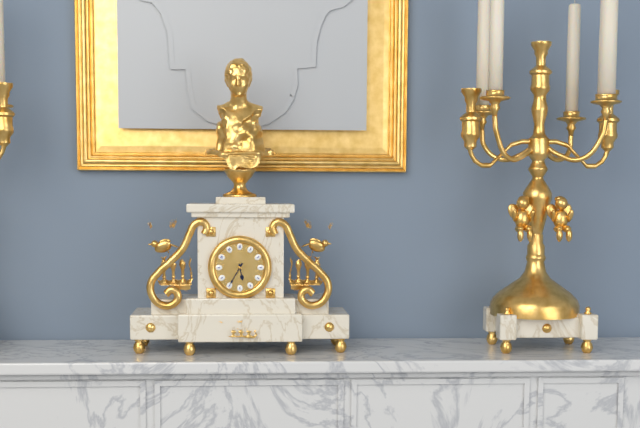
5:35
